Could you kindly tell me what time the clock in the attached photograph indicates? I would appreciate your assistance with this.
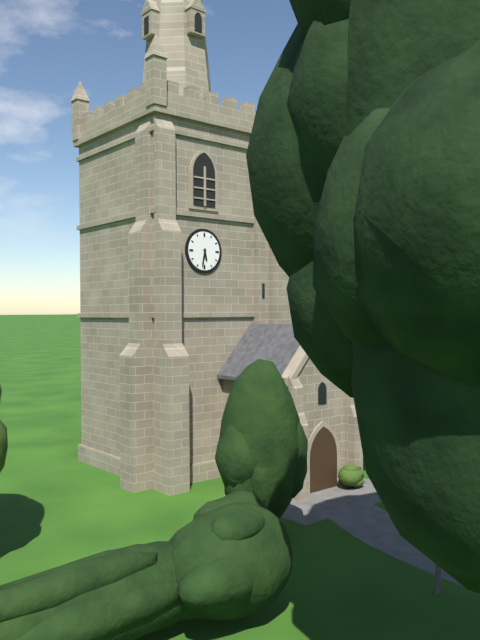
5:32
